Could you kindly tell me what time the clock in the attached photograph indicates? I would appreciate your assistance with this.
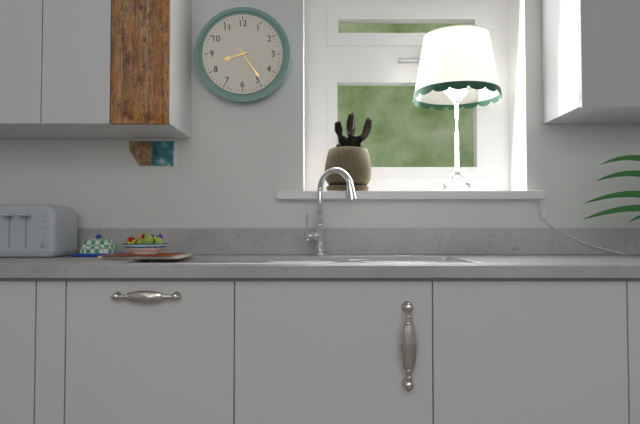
8:24
